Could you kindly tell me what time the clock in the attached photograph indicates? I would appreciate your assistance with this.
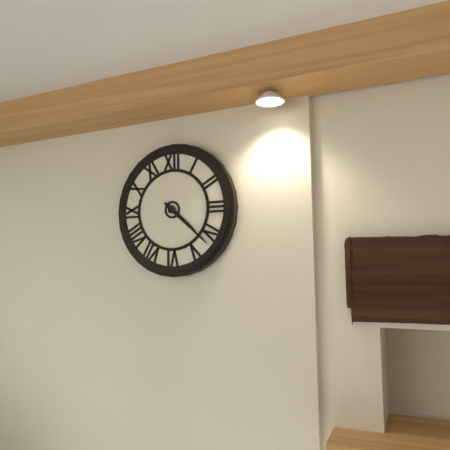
4:22
